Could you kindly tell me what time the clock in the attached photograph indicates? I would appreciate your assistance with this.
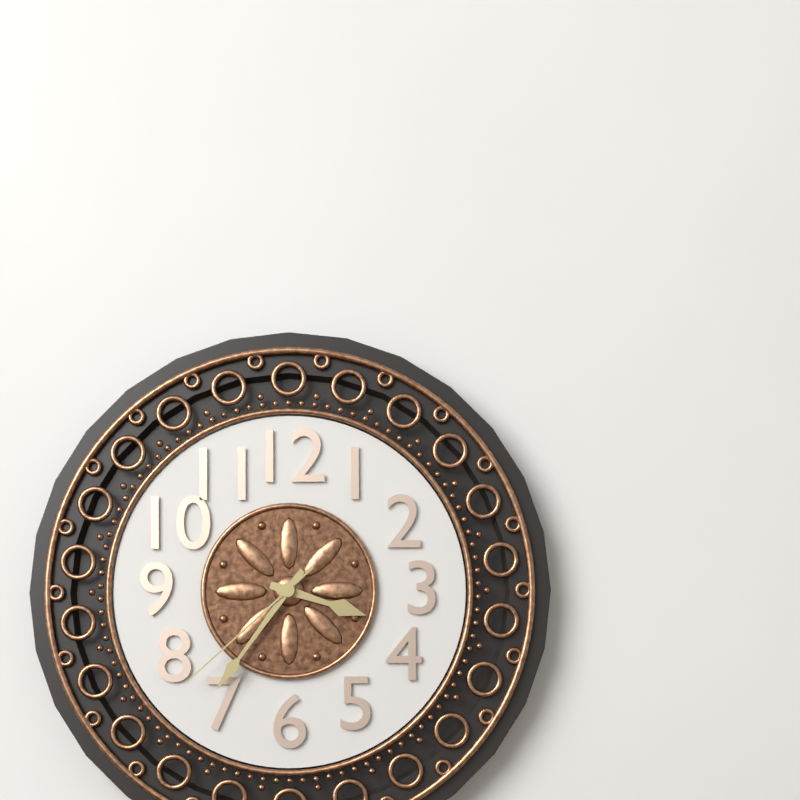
3:36:38
